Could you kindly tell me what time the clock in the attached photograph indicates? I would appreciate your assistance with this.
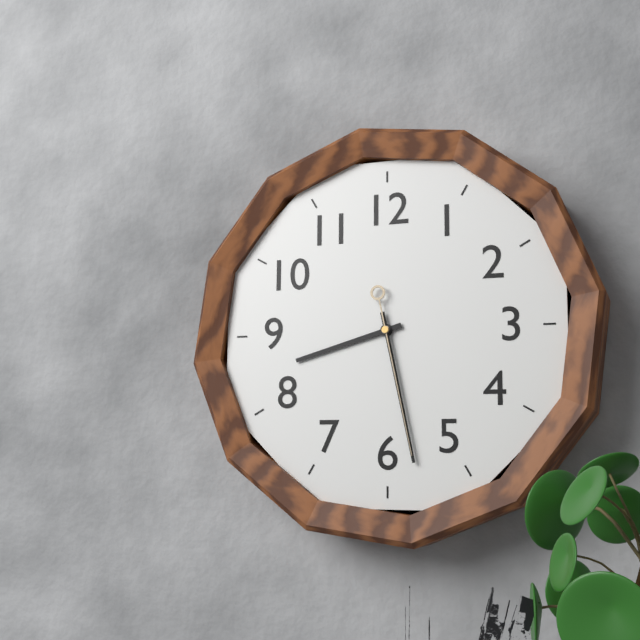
8:28:28
